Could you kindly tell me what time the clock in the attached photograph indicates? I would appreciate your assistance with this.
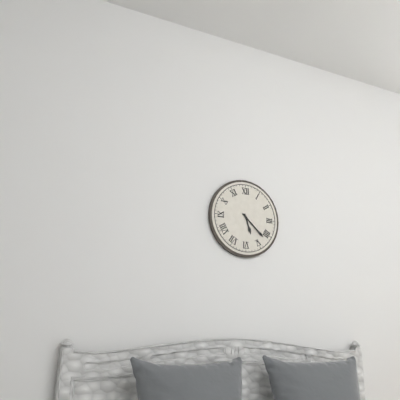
5:22
